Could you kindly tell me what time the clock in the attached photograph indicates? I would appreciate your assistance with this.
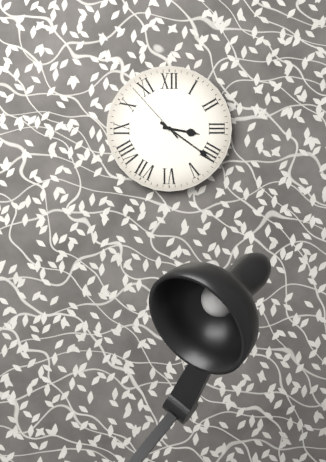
3:21:53
